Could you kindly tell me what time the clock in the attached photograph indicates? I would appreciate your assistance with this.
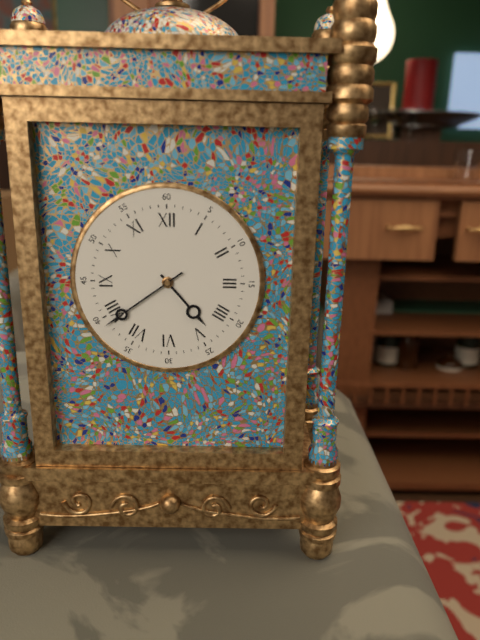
4:39
